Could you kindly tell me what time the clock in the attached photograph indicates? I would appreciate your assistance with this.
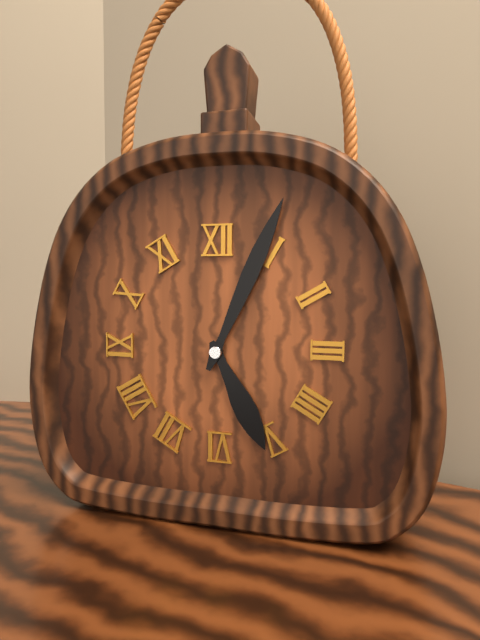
5:04
